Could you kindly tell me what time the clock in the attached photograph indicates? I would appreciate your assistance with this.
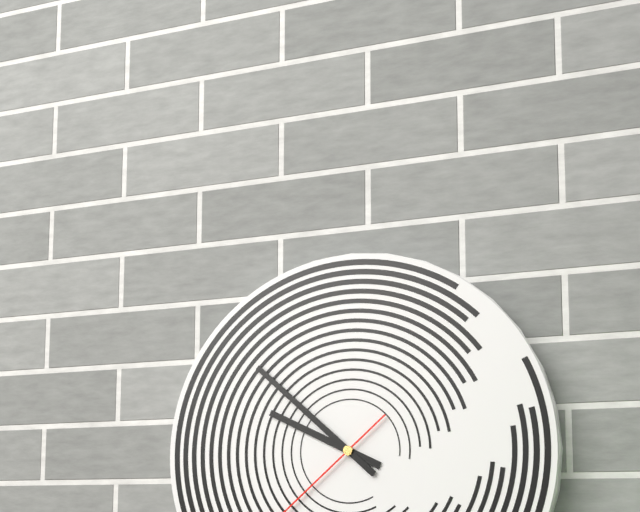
9:52
